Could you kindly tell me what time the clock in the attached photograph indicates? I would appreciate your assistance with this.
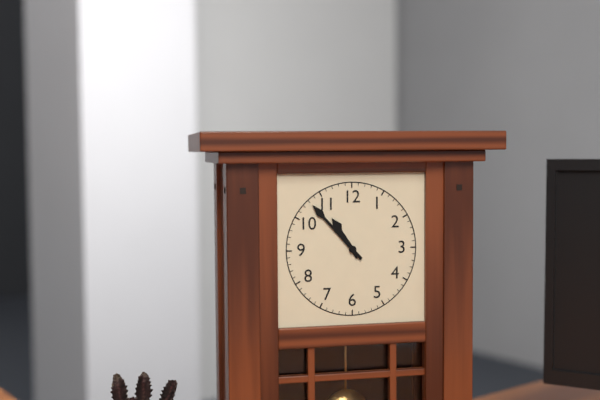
10:53
